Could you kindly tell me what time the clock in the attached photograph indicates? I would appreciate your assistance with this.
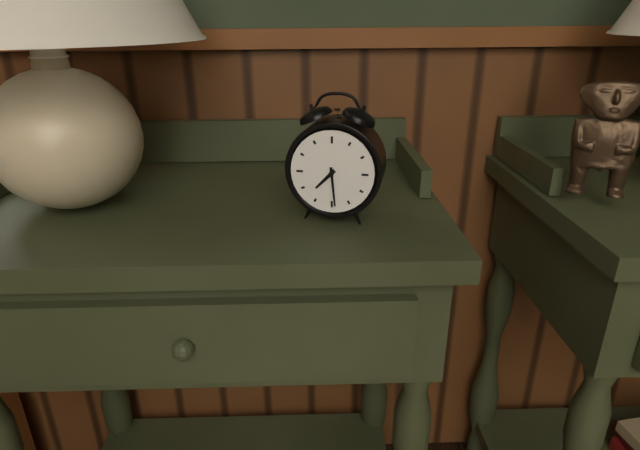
7:29
